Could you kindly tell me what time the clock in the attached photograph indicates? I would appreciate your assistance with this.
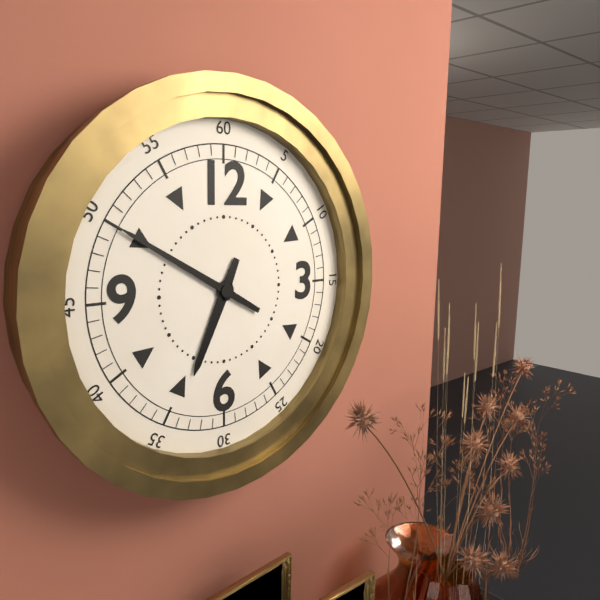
6:50
